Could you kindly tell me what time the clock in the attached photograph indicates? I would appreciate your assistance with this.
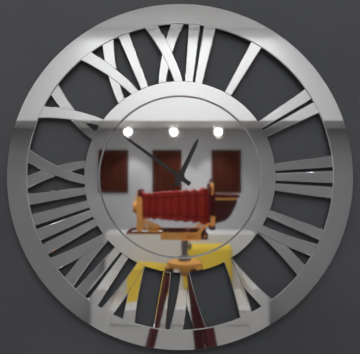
12:51
